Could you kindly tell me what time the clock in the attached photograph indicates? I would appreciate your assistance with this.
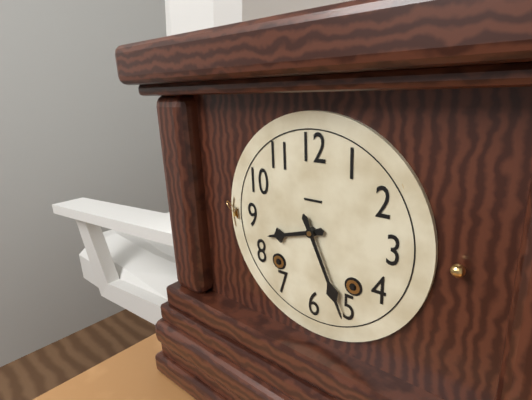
8:26
